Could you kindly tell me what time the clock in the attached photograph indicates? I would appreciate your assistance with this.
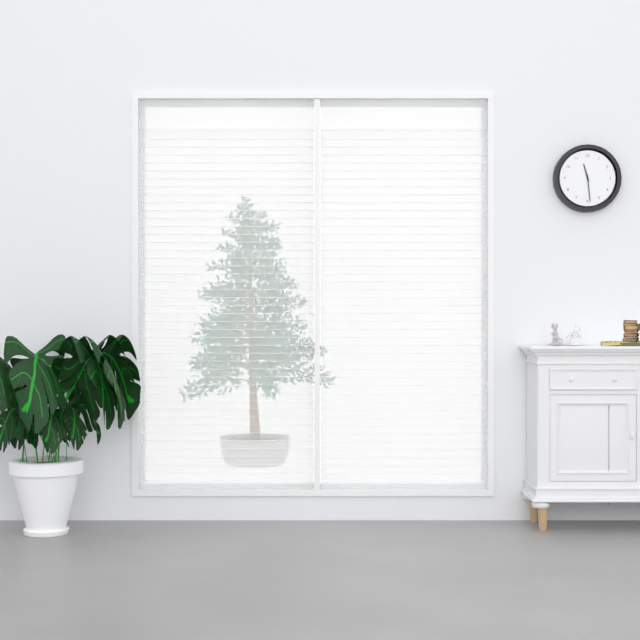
11:29
